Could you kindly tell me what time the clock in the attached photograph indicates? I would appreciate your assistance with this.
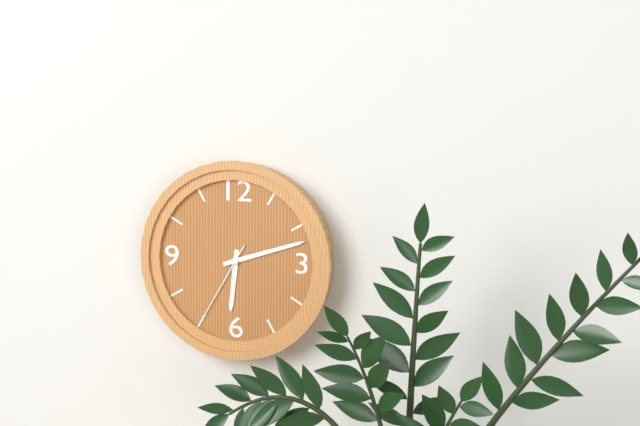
6:12:35
